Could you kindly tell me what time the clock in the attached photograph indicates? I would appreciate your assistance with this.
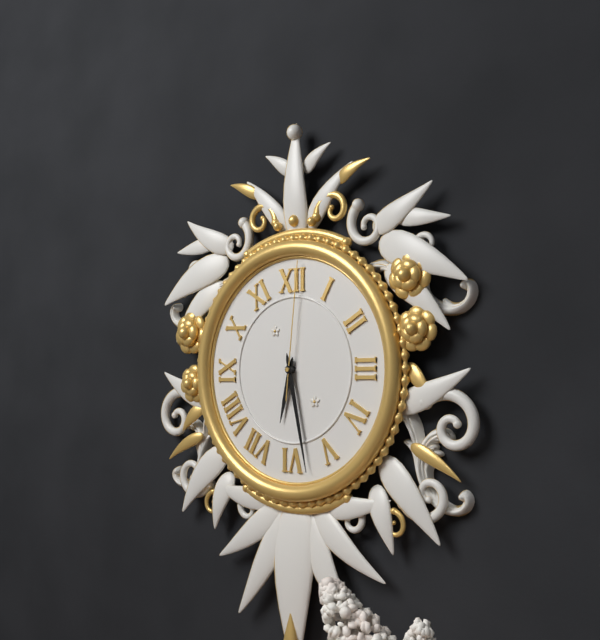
6:28:01
